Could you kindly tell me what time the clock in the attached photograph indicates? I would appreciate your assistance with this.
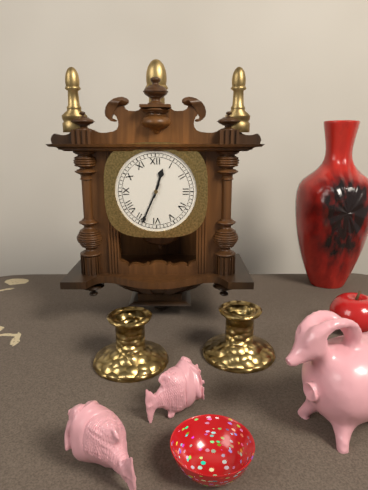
12:34
